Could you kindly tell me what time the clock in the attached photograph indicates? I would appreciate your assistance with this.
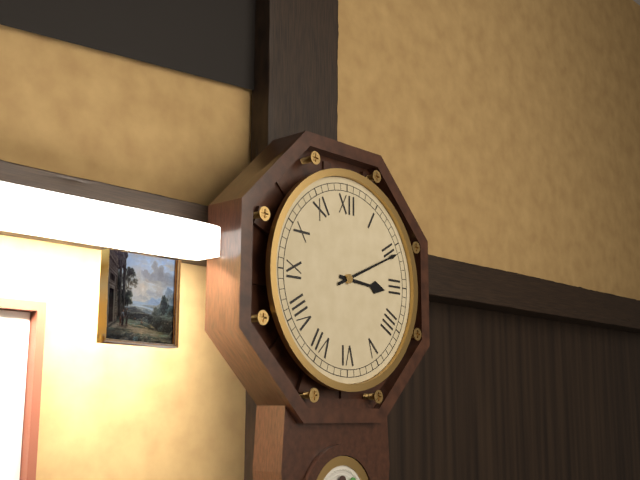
3:11
